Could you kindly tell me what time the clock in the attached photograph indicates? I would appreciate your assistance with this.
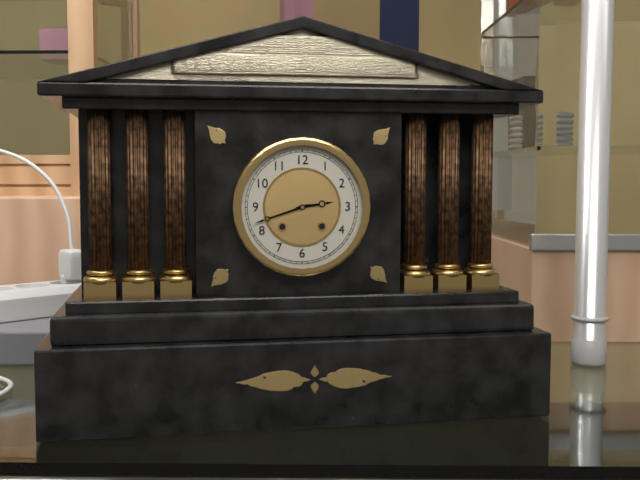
2:42
